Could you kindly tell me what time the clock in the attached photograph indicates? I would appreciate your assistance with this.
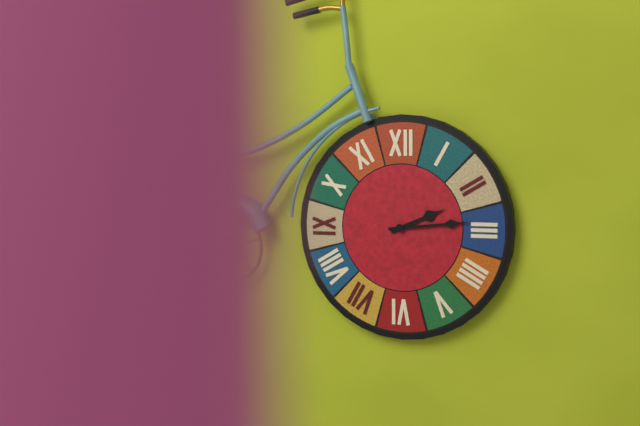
2:14
